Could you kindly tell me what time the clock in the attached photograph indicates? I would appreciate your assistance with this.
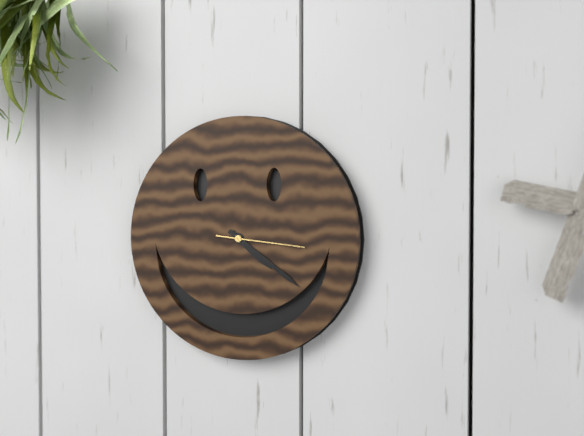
4:21:16
